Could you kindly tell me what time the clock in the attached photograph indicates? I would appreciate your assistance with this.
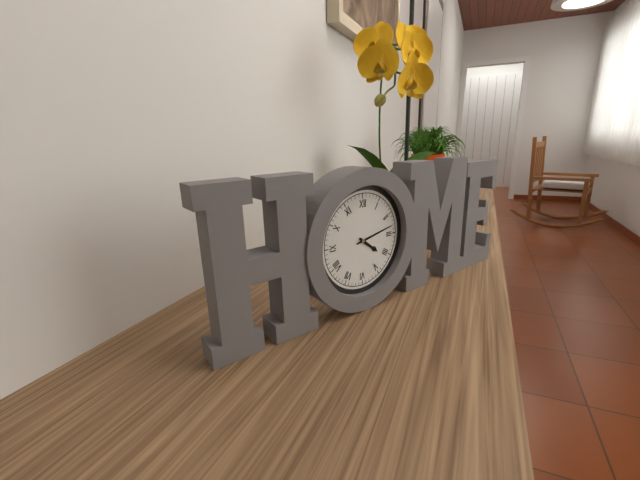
4:13
